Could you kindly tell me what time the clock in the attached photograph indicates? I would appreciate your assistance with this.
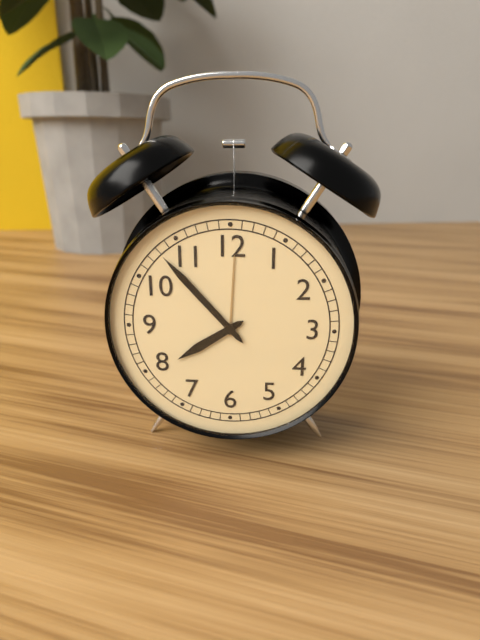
7:53
